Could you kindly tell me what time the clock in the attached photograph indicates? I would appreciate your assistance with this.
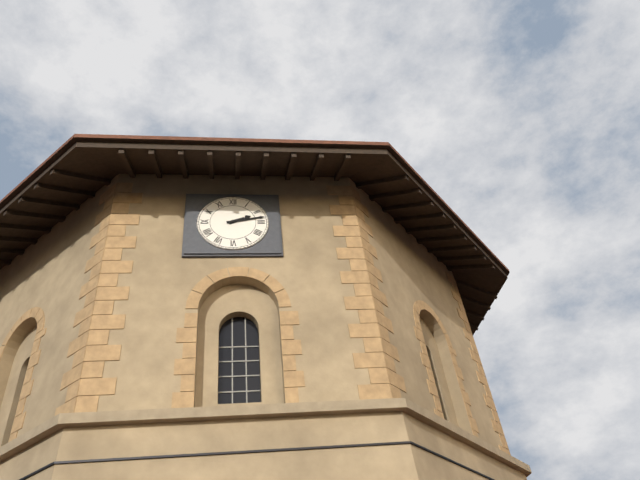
2:13
